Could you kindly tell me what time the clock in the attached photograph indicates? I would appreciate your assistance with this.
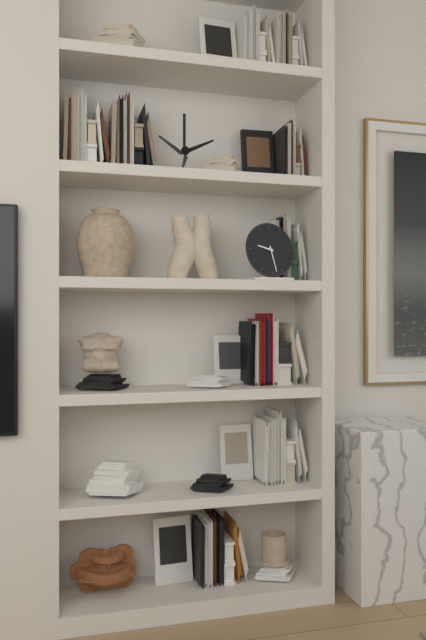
9:28
